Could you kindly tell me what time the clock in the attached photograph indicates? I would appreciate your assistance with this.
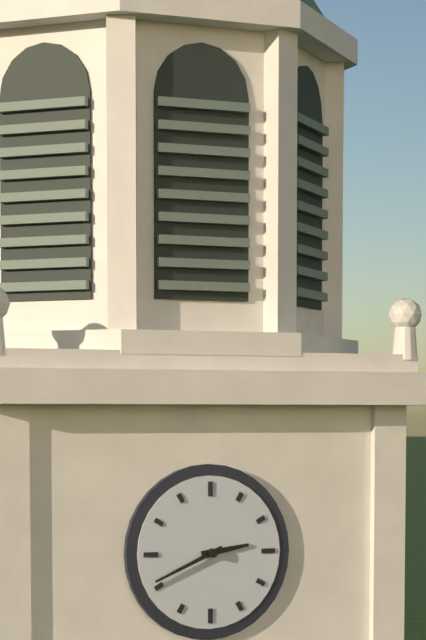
2:41
